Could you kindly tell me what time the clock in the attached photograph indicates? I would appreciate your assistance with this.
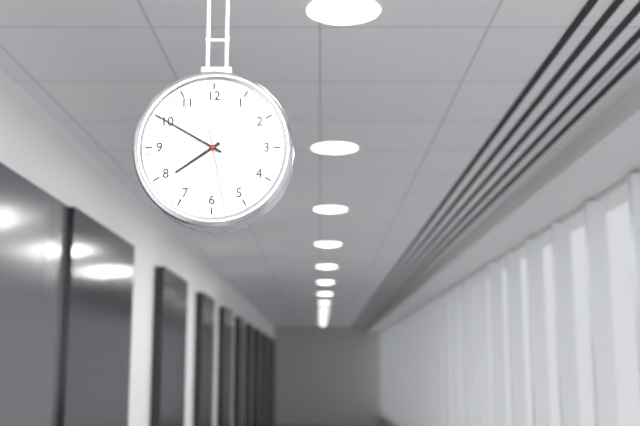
7:50:28
